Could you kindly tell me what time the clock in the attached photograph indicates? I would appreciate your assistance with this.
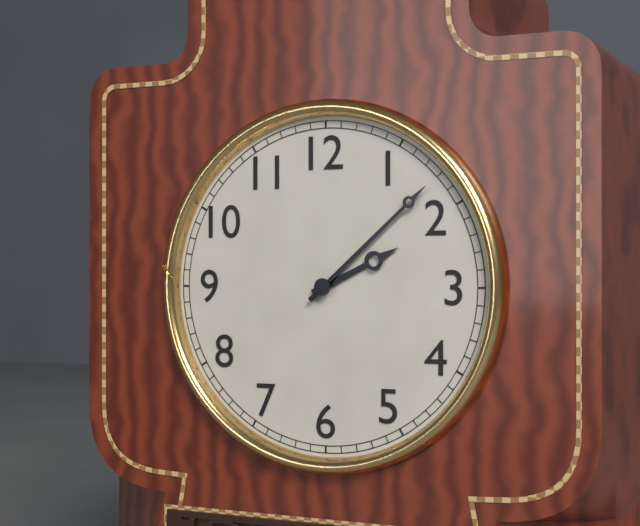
2:08
